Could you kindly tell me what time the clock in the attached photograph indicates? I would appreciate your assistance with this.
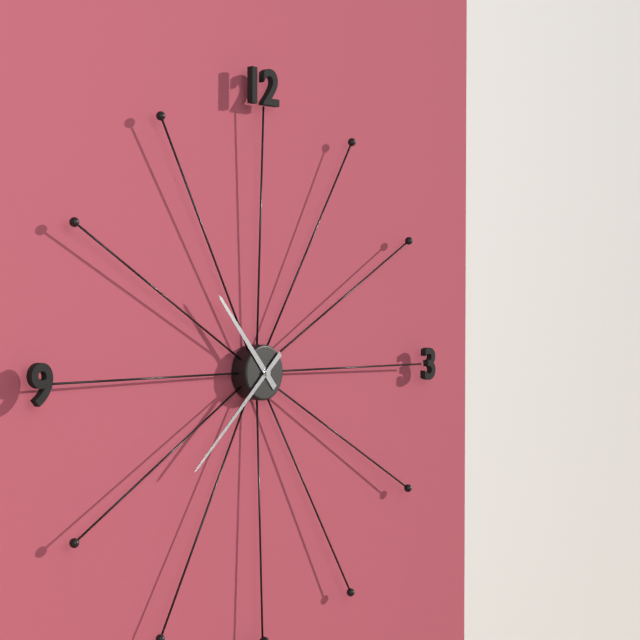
10:38
